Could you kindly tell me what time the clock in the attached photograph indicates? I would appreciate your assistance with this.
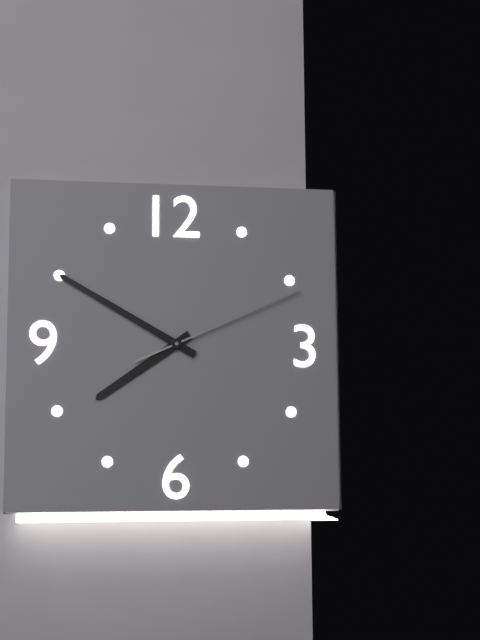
7:50:11
